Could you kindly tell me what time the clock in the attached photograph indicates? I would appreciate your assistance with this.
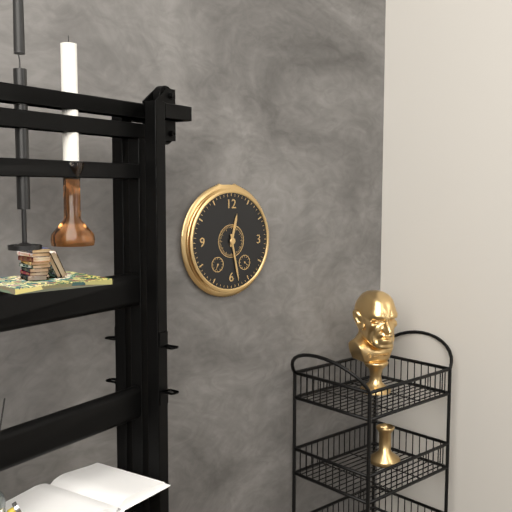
12:28
